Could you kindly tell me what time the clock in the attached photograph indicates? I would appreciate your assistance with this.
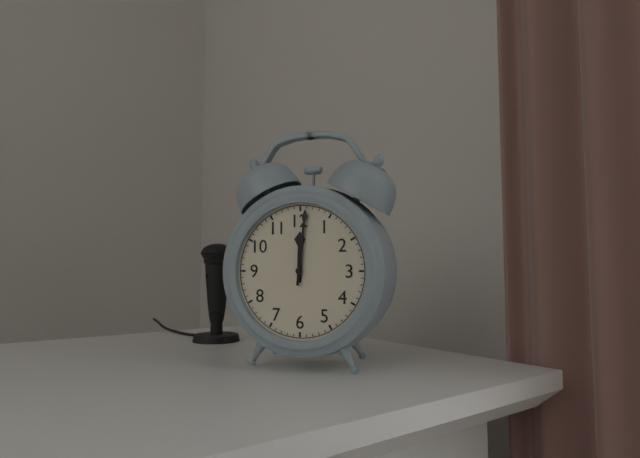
12:01
